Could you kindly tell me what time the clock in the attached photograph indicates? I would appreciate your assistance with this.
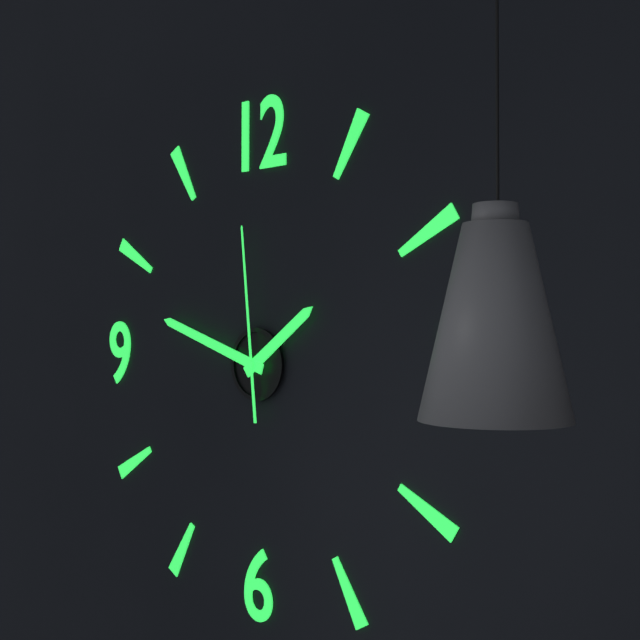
1:48:59
